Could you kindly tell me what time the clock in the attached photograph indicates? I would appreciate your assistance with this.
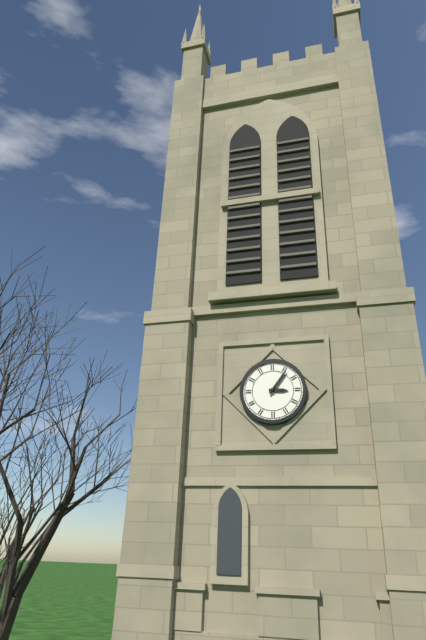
3:06
